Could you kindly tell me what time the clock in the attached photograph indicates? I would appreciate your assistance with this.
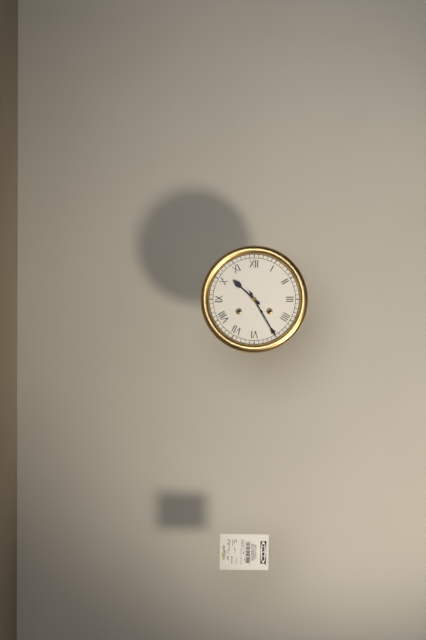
10:25
